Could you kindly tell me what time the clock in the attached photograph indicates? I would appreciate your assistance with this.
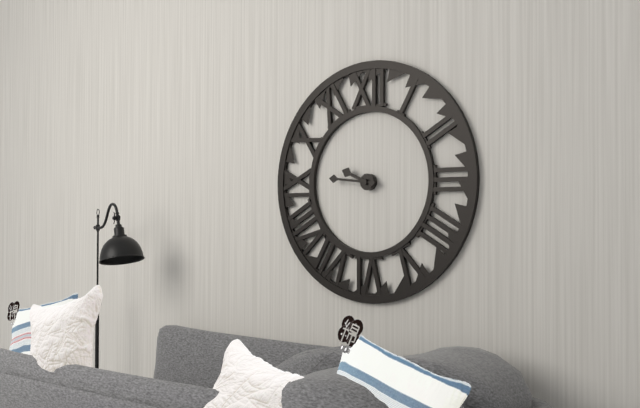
9:46
